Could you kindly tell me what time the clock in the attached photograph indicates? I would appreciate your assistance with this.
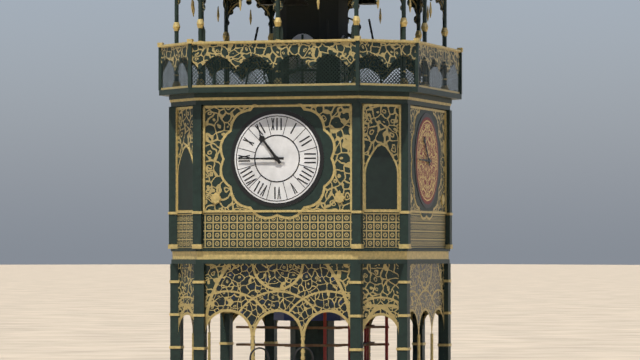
10:45
